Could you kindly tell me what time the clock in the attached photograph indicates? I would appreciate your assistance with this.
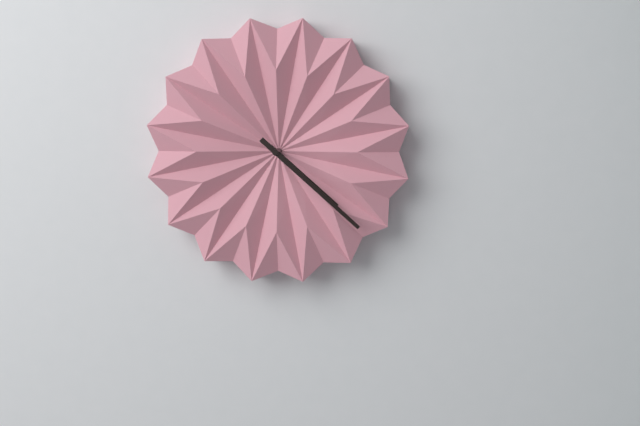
4:22
